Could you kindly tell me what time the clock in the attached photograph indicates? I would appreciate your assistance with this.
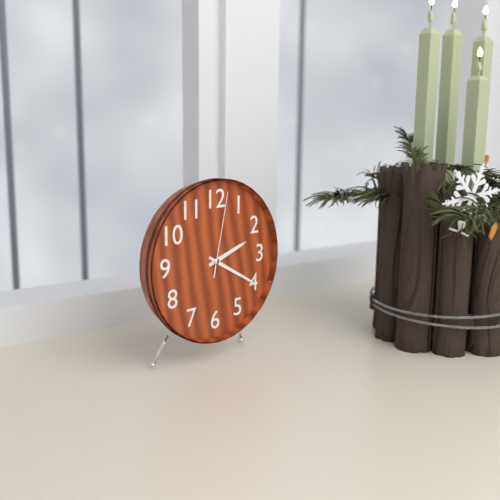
2:20:02
